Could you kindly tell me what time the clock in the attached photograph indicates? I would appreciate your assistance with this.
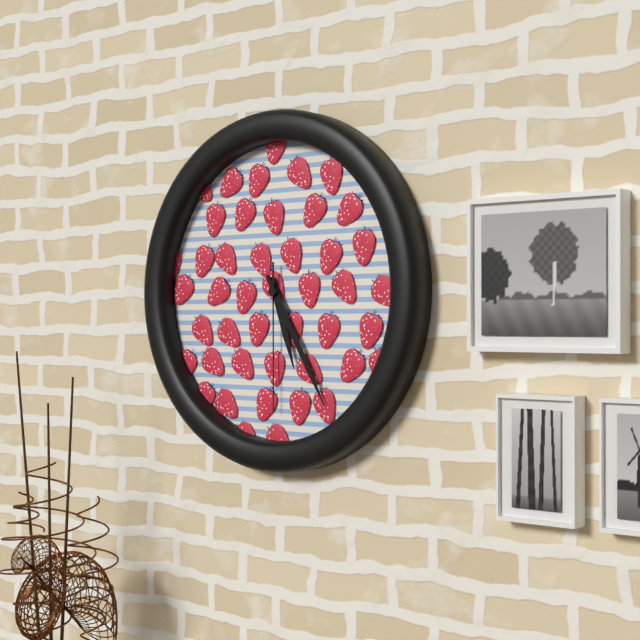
5:25:30
